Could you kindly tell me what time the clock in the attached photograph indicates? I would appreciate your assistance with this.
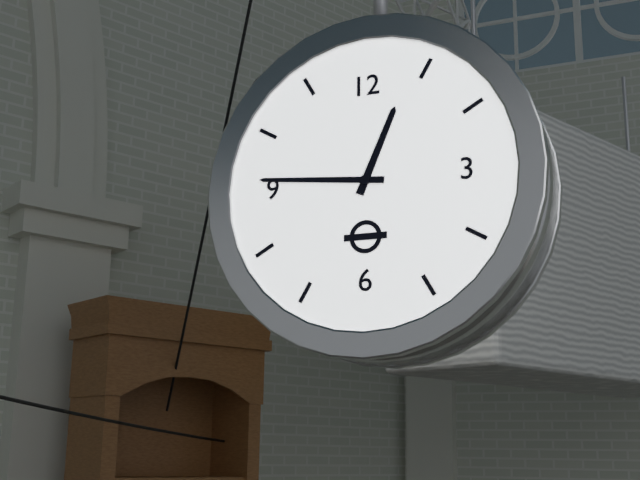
12:46
